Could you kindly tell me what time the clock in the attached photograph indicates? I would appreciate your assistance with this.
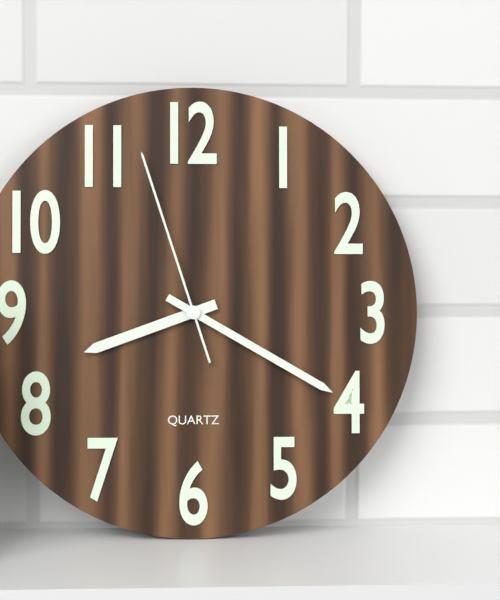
8:20:57
